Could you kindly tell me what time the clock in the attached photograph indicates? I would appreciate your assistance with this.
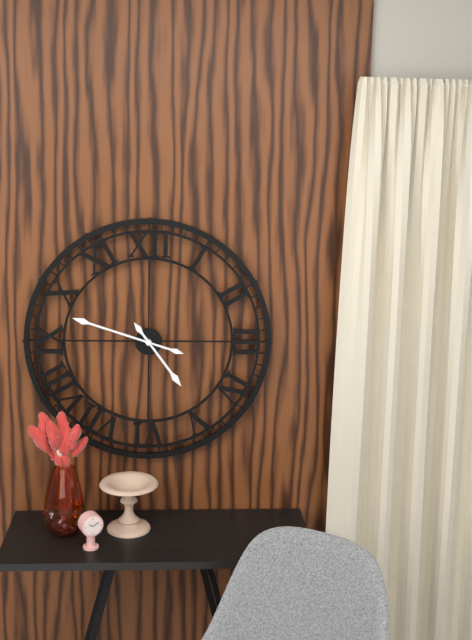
4:48
